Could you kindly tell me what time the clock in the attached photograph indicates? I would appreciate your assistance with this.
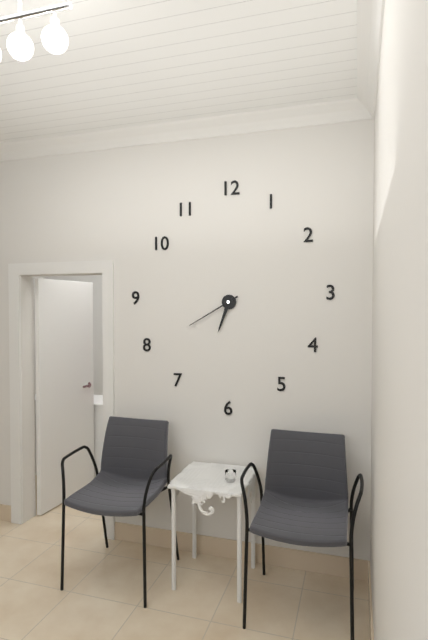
6:40
